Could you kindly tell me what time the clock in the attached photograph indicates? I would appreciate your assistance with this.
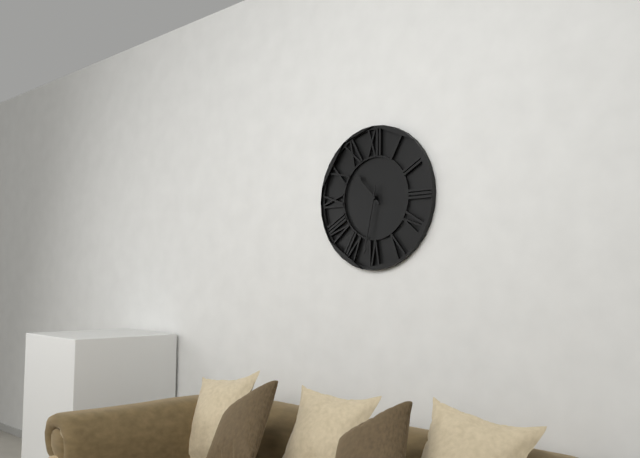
10:32
